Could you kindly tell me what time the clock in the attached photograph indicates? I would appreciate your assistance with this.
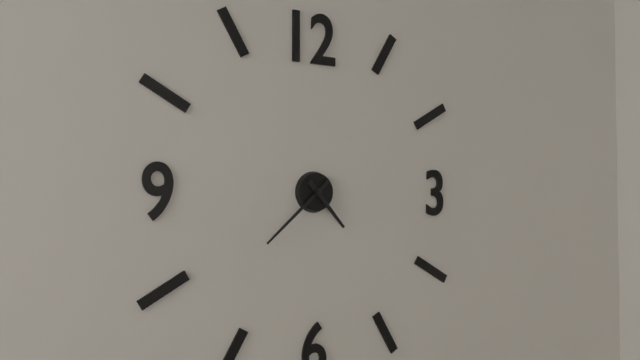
4:38
